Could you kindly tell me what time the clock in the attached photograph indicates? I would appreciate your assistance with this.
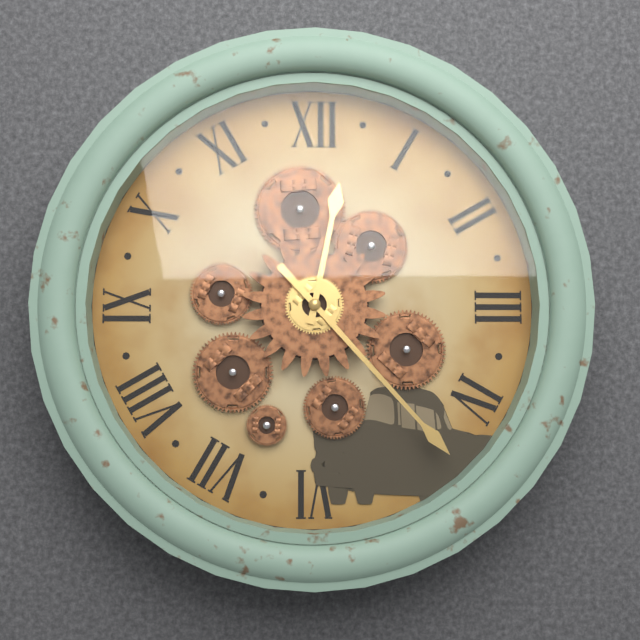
12:23
